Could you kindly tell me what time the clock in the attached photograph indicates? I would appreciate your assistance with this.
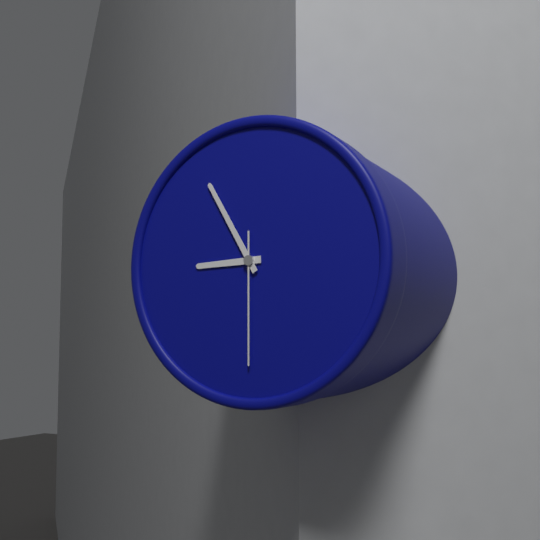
8:55:30
